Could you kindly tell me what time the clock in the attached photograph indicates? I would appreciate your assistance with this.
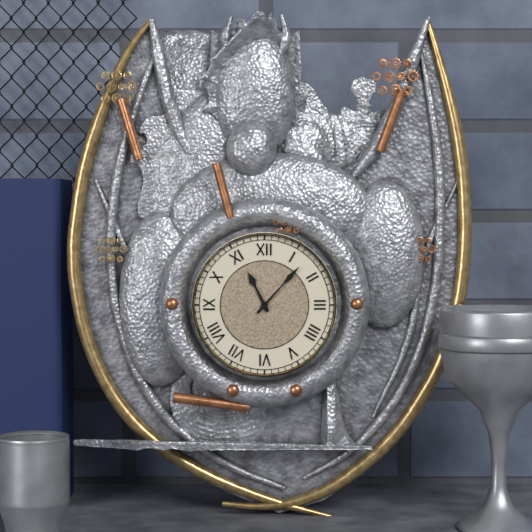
11:07
